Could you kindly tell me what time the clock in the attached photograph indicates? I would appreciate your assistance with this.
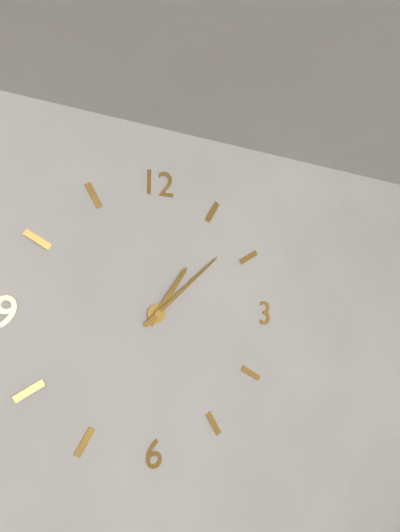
1:08
